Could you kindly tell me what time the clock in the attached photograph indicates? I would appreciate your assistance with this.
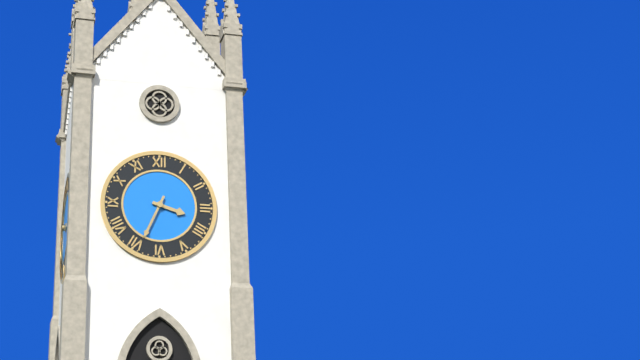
3:34
